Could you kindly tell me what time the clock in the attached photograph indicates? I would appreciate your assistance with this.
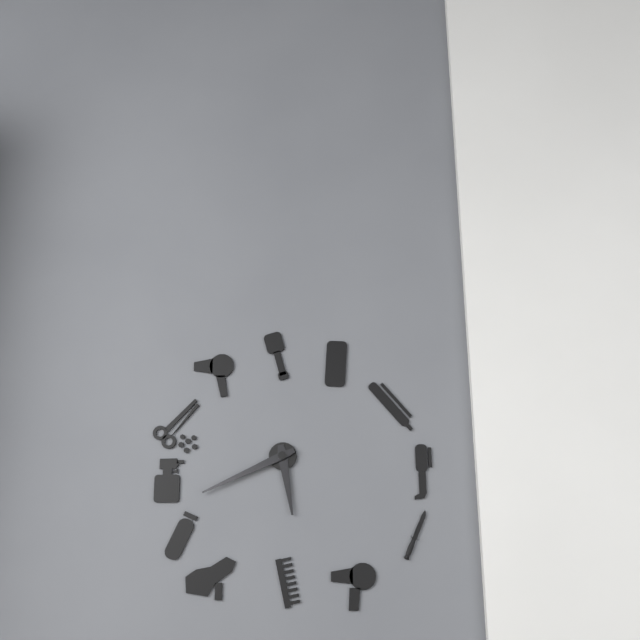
5:41
